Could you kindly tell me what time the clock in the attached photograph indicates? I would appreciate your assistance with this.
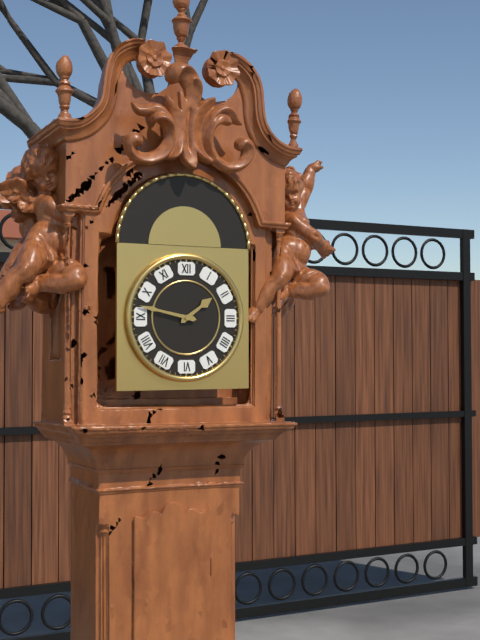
1:47
